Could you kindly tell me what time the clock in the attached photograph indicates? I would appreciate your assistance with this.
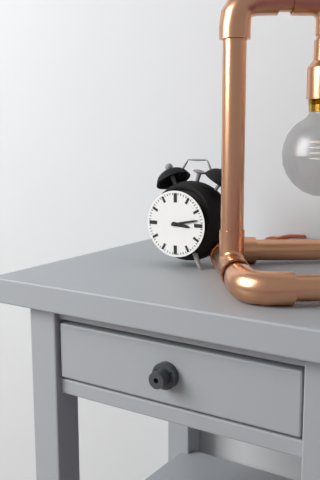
3:13
